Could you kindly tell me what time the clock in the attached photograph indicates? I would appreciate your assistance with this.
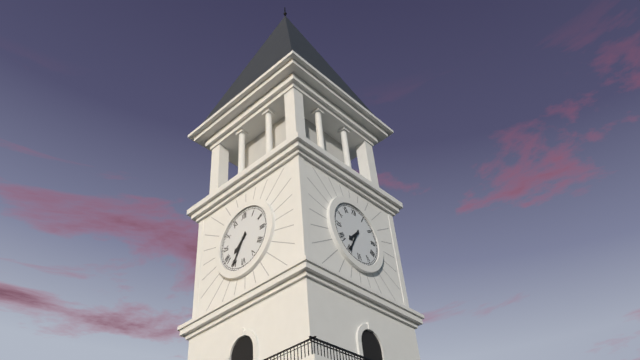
7:35
